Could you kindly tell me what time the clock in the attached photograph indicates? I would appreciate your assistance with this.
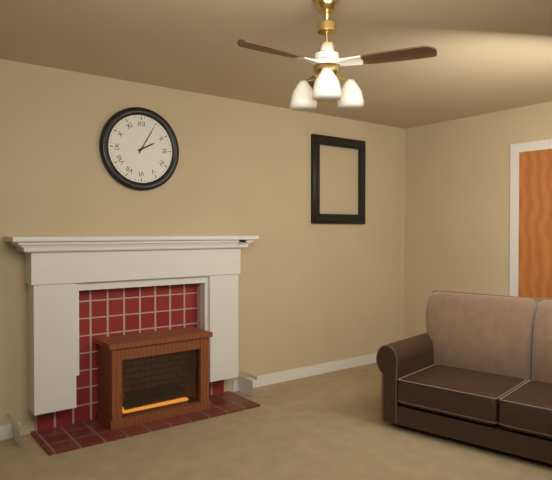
2:05
